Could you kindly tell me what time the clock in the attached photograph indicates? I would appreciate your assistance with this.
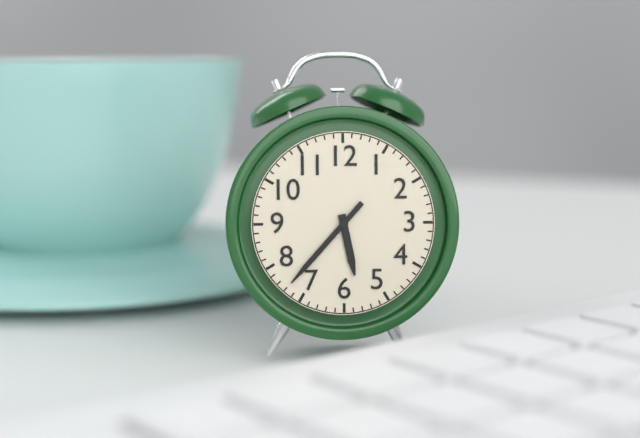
5:37
